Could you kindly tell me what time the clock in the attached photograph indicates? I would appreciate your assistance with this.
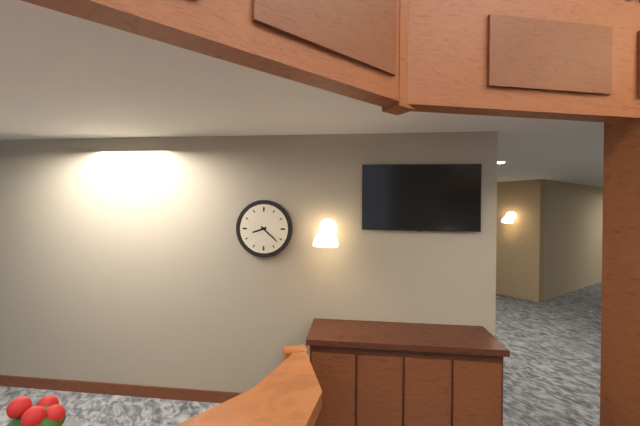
8:22
